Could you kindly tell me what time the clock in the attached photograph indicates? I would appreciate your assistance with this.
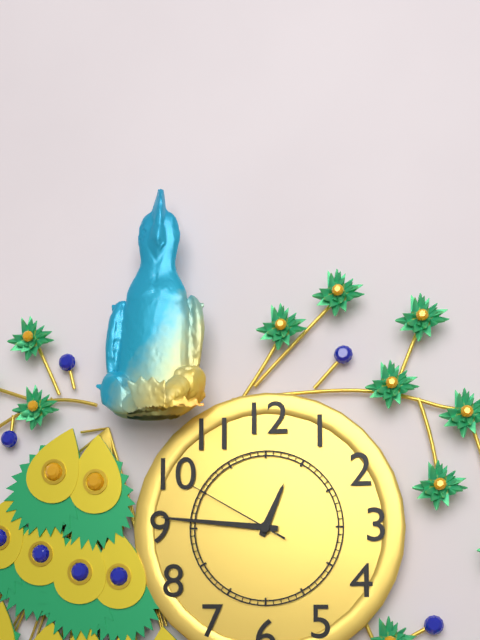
12:46:50
